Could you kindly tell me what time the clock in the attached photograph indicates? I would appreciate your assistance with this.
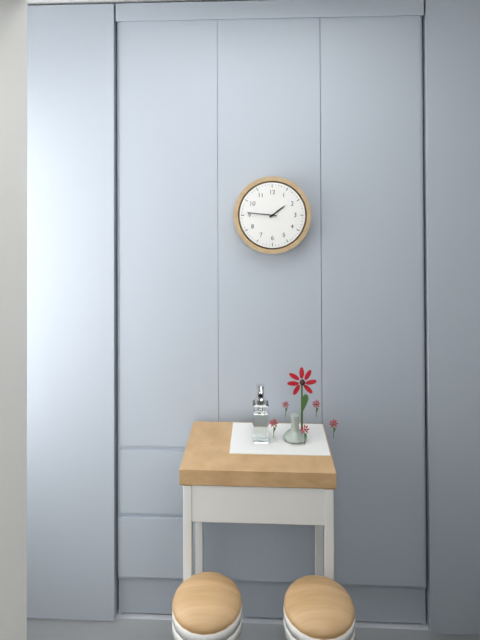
1:46
